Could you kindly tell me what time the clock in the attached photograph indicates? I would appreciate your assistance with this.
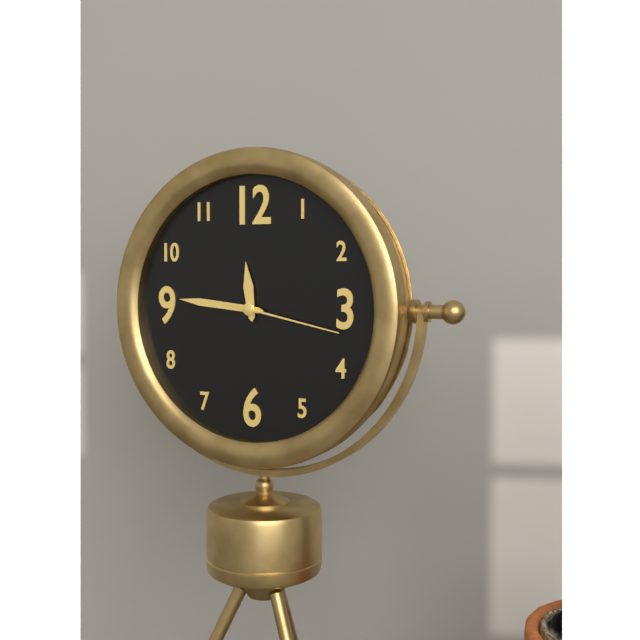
11:46:17
